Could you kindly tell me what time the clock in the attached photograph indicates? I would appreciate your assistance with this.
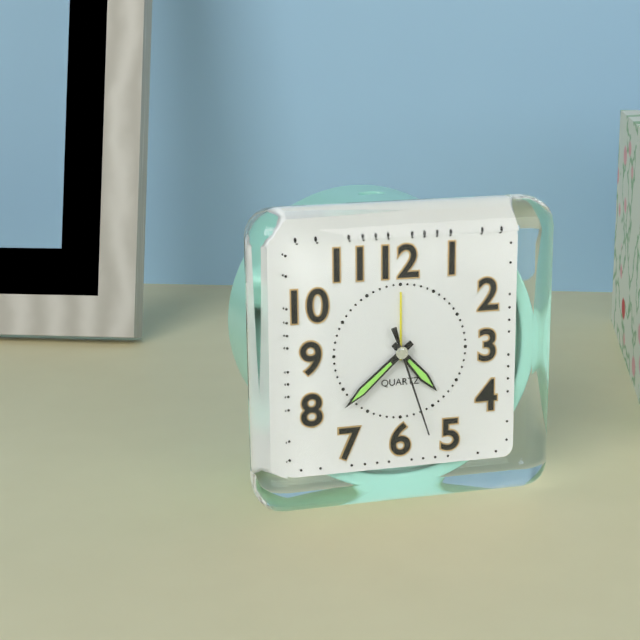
4:38:27
